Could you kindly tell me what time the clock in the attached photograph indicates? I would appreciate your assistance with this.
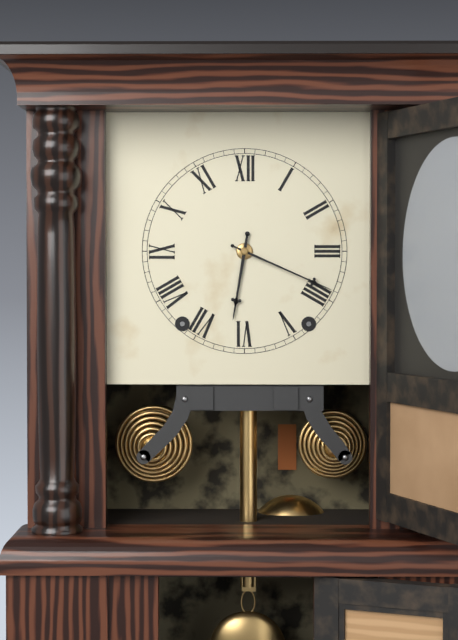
6:19
